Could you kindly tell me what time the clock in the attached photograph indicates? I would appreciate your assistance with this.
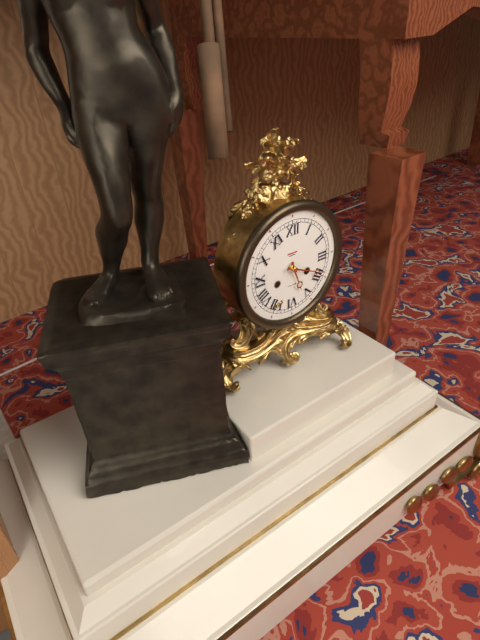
5:19
